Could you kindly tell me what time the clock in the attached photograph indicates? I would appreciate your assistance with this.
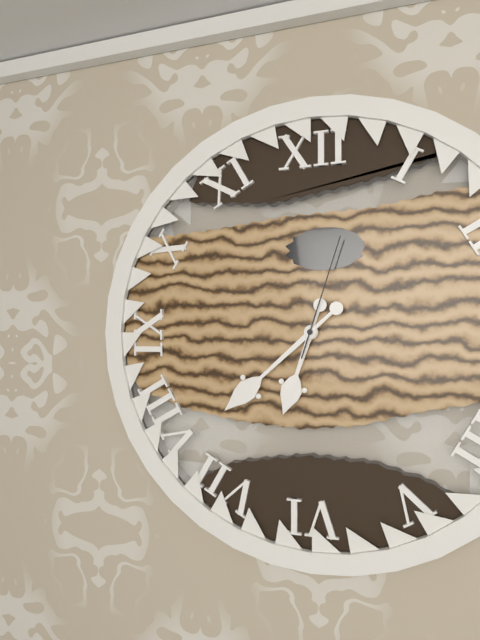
6:38:03
